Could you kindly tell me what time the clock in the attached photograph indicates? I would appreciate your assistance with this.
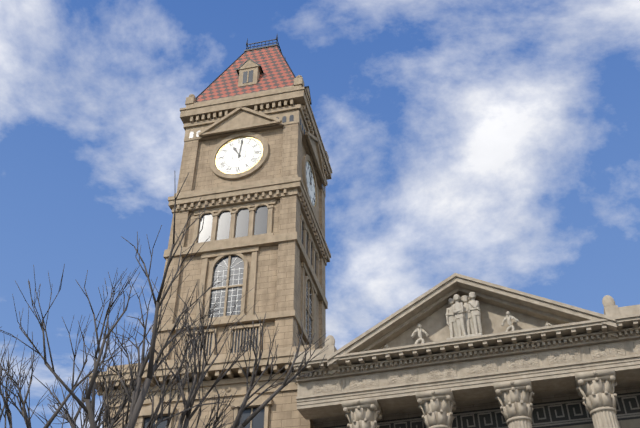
11:01
